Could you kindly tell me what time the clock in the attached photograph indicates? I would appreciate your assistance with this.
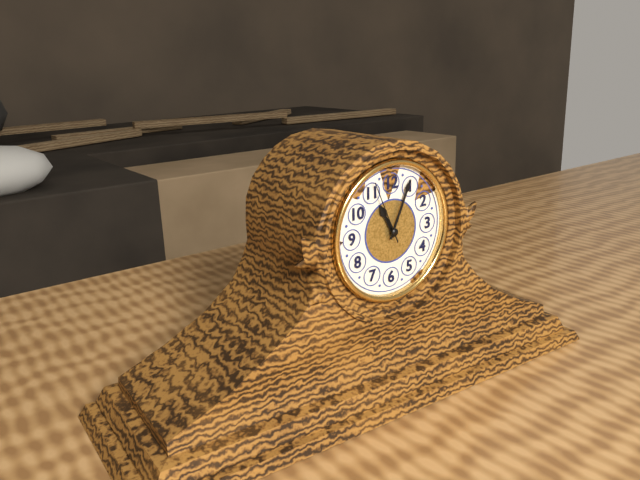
11:04:56
